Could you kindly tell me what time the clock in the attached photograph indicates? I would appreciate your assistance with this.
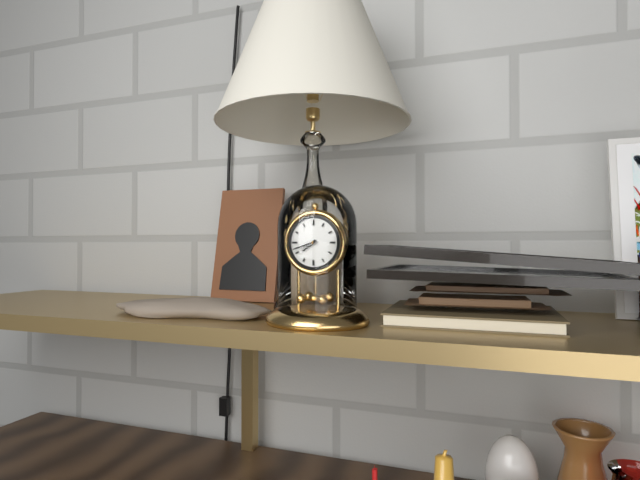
7:42
